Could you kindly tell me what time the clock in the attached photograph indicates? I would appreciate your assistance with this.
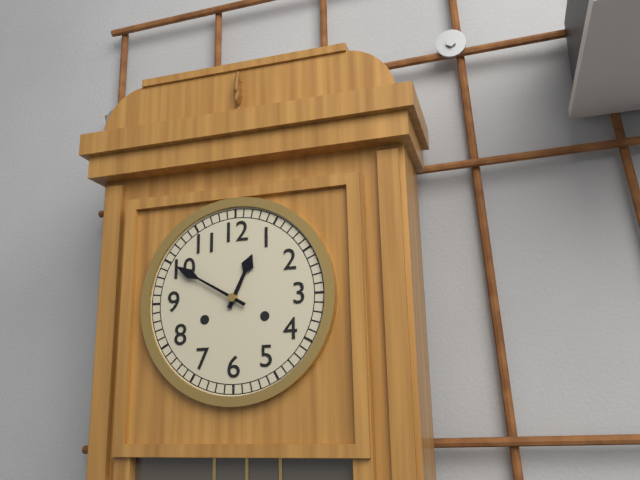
12:50
